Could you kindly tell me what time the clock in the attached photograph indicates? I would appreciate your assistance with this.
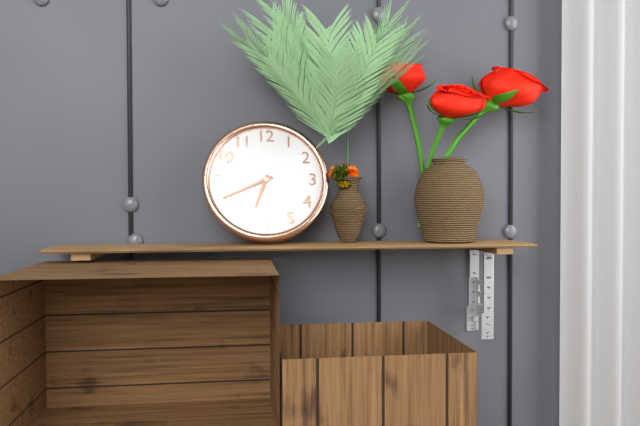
6:41
